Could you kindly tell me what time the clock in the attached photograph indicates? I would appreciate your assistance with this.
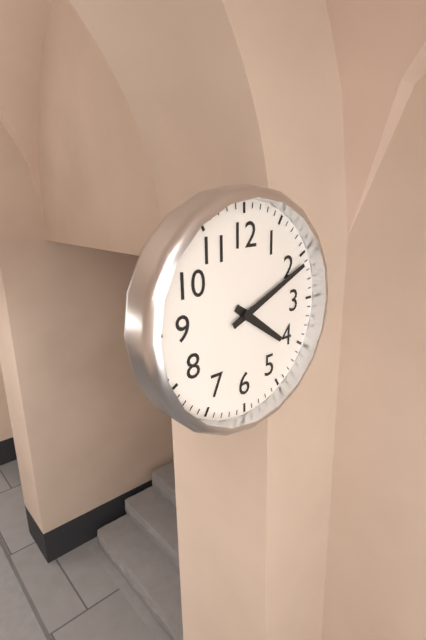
4:11
